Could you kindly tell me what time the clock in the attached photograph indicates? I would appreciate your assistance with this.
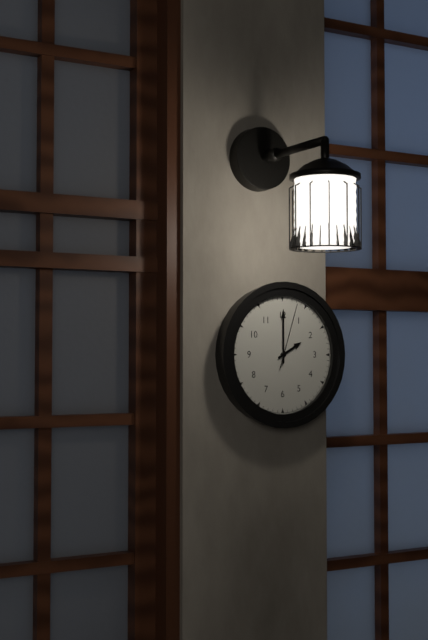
2:00:03
